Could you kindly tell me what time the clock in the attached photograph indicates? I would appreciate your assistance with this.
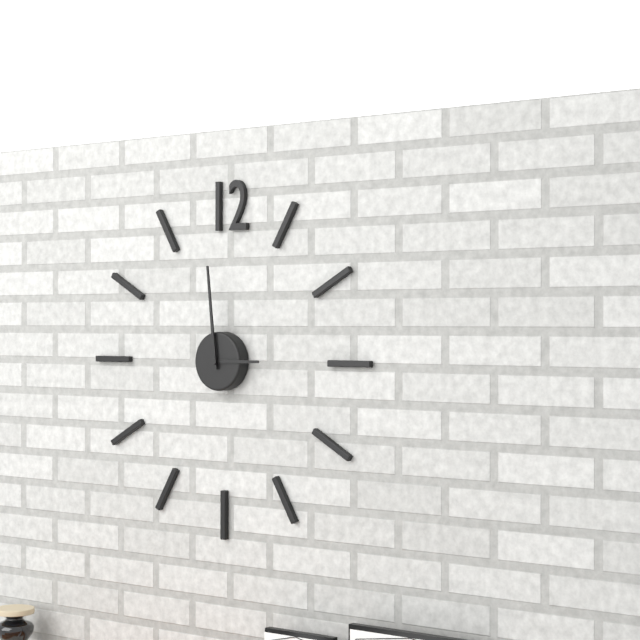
2:59
